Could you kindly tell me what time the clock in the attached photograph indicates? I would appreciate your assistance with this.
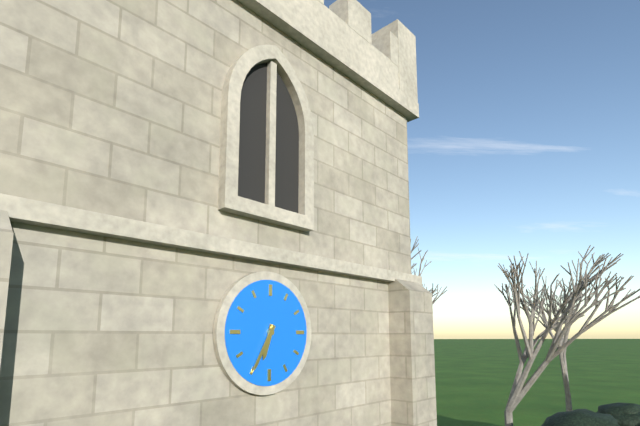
6:35
